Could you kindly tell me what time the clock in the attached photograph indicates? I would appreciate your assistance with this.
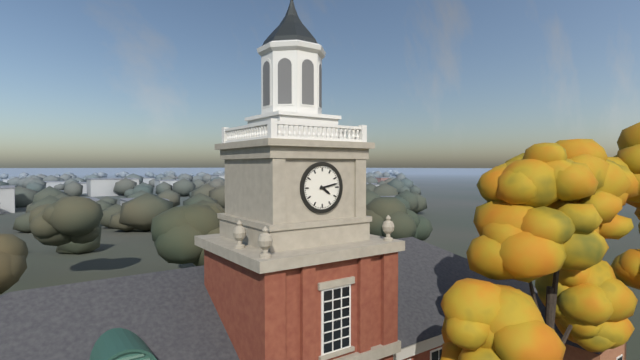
4:13
